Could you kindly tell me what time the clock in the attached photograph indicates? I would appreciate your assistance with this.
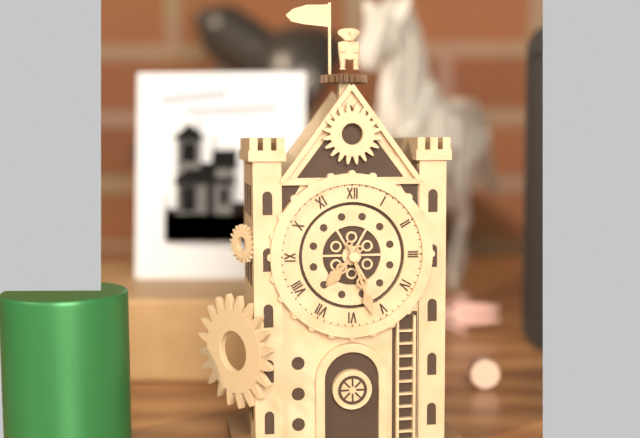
7:27
